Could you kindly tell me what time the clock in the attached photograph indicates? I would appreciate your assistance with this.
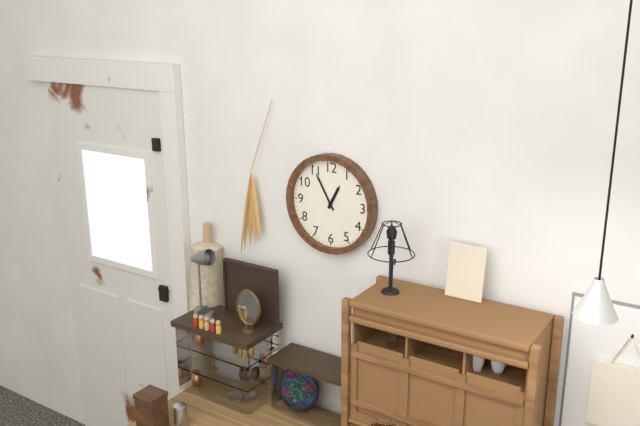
12:55
